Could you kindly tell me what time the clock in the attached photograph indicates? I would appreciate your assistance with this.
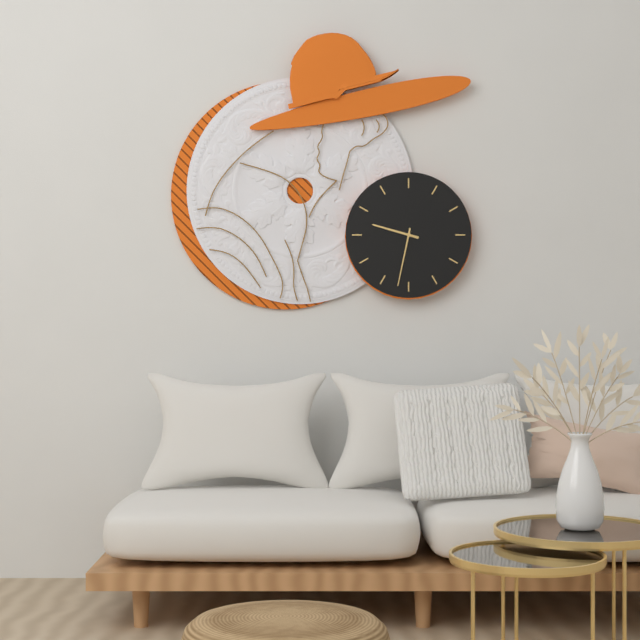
9:32
